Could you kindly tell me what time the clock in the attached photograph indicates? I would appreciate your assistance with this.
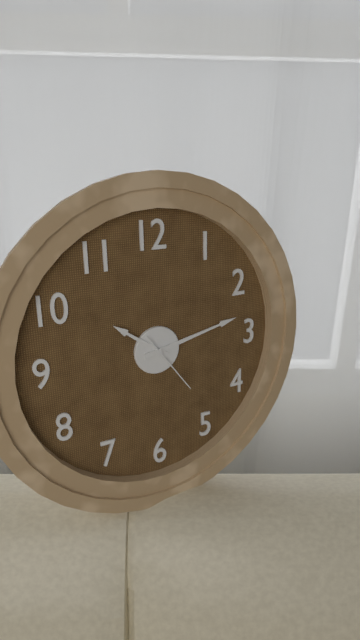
10:13:24
